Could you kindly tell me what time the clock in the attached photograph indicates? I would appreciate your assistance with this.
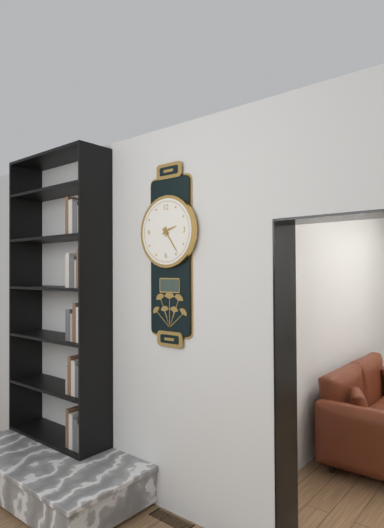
2:24
